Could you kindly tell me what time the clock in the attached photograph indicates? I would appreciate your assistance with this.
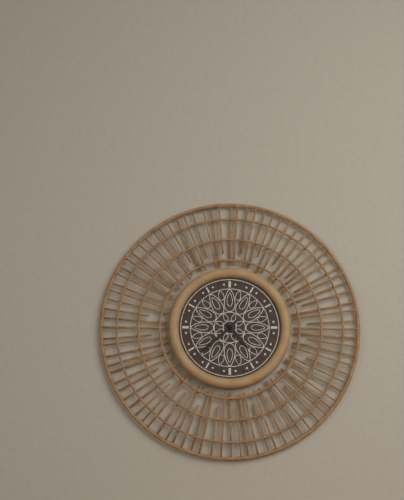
4:38
